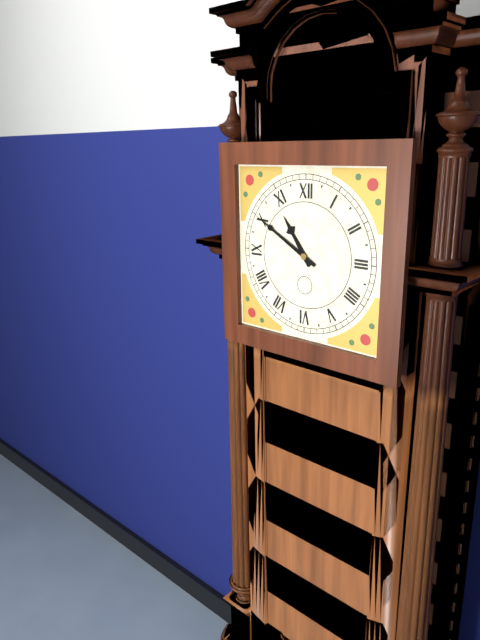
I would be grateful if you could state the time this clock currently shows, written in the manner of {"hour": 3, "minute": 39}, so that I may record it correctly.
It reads {"hour": 10, "minute": 50}
